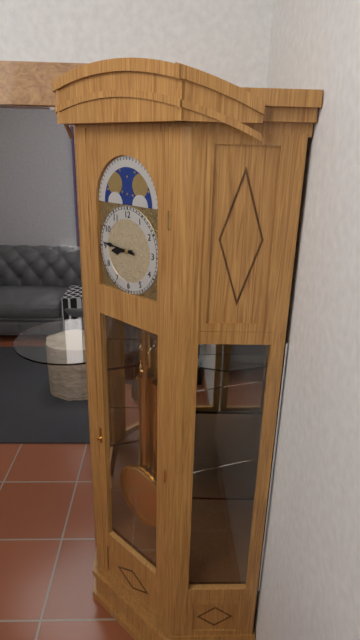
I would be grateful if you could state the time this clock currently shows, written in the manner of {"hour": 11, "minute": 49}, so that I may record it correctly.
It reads {"hour": 8, "minute": 46}
